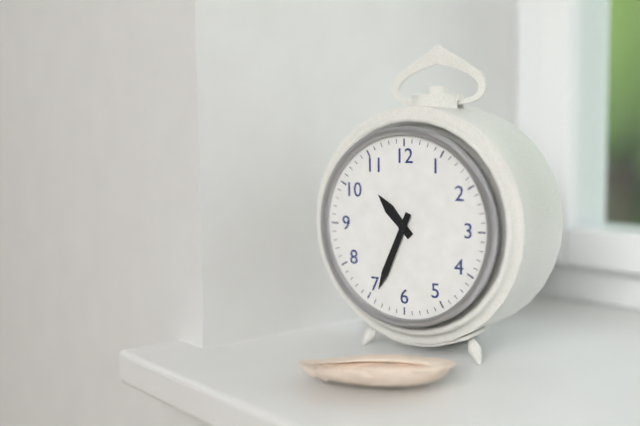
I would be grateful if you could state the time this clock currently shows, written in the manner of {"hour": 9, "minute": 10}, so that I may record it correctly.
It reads {"hour": 10, "minute": 34}
